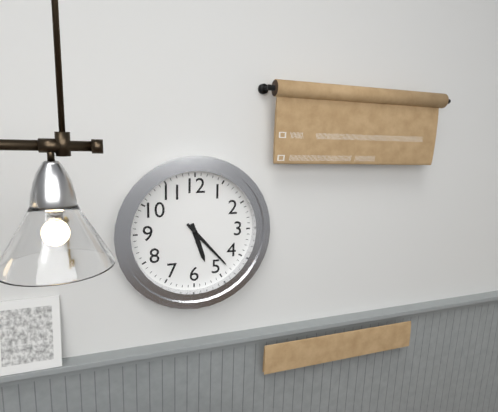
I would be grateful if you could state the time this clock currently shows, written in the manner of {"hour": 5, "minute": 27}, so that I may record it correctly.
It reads {"hour": 5, "minute": 23}
